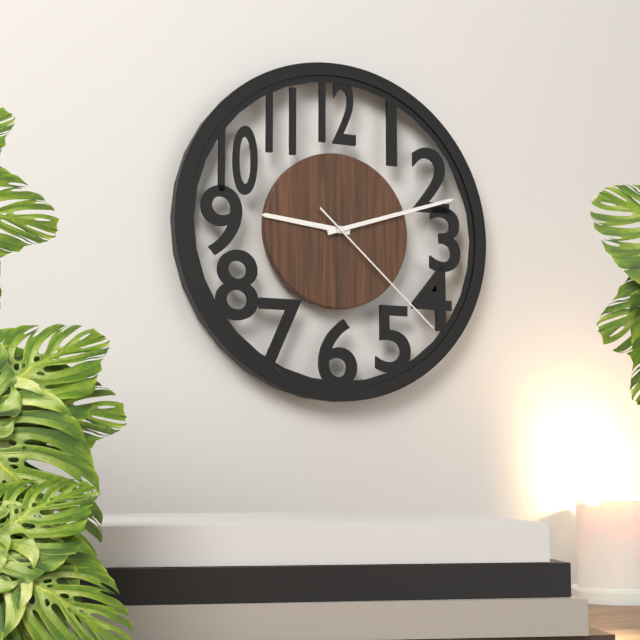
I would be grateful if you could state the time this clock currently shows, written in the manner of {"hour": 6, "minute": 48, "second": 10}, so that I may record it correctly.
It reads {"hour": 9, "minute": 12, "second": 22}
